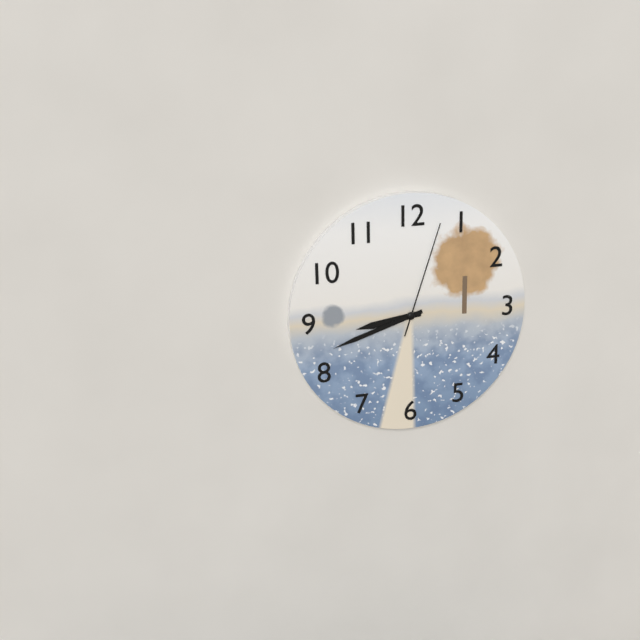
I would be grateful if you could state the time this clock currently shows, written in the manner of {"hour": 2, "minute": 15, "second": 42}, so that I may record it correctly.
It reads {"hour": 8, "minute": 42, "second": 3}
